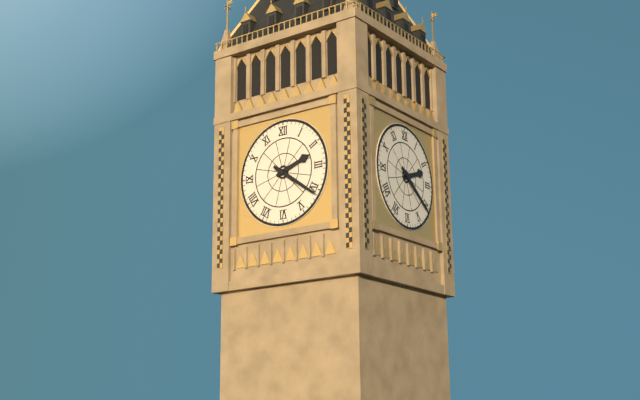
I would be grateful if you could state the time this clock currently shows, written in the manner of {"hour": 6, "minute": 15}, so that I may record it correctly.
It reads {"hour": 2, "minute": 21}
